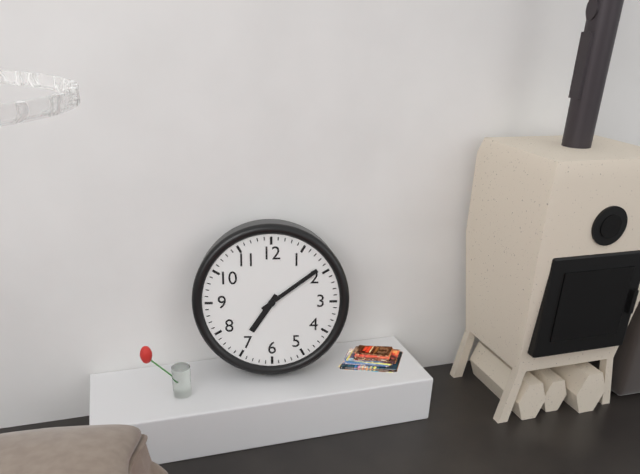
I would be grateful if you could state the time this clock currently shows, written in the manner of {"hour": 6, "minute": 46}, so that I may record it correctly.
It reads {"hour": 7, "minute": 9}
